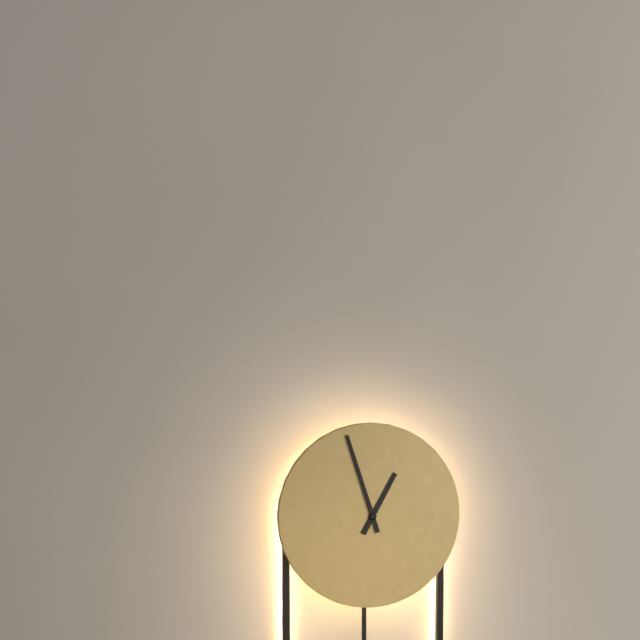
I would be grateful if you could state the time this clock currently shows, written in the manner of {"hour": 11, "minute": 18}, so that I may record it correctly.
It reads {"hour": 12, "minute": 57}
